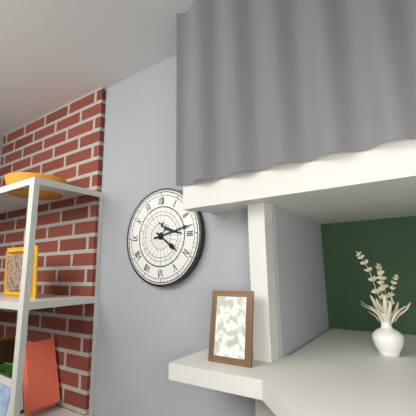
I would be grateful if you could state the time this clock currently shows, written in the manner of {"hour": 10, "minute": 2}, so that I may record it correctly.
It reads {"hour": 4, "minute": 13}
